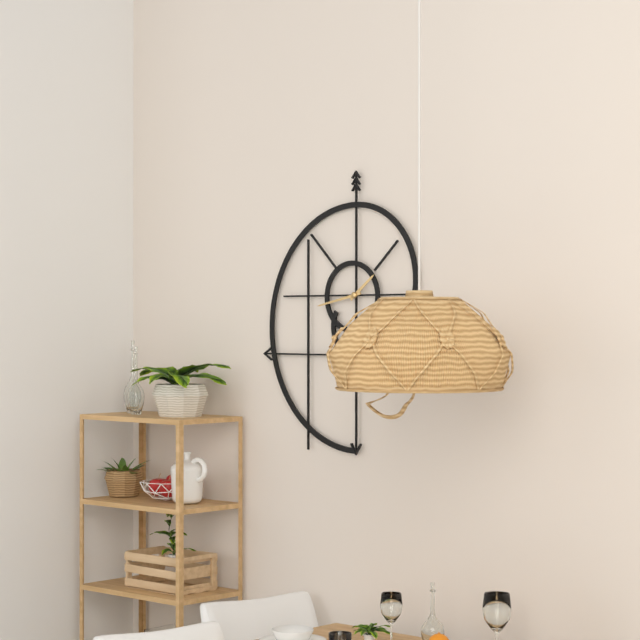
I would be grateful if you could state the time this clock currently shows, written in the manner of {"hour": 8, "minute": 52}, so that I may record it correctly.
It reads {"hour": 1, "minute": 43}
